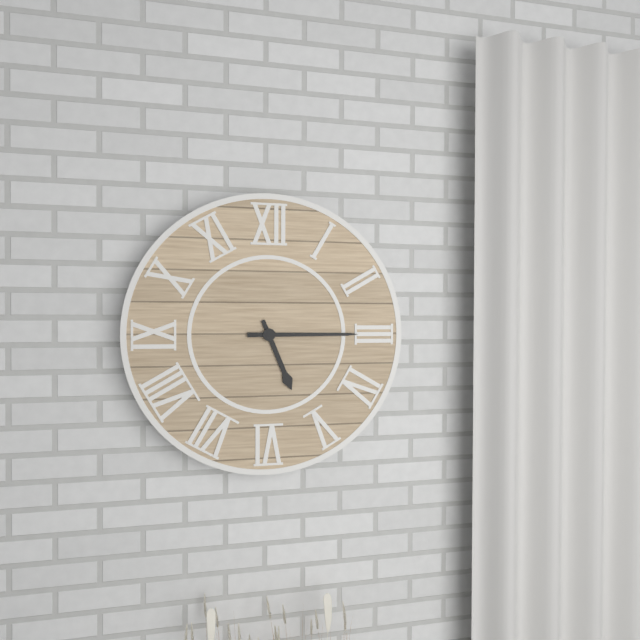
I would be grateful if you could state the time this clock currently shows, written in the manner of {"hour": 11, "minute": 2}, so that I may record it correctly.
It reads {"hour": 5, "minute": 15}
